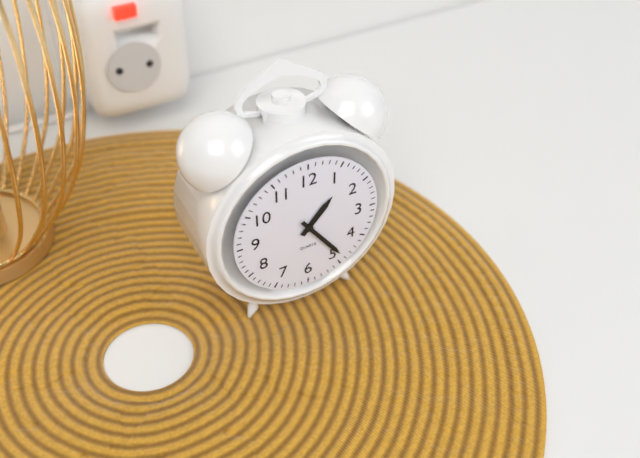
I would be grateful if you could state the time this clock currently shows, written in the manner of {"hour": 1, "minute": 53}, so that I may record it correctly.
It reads {"hour": 1, "minute": 24}
